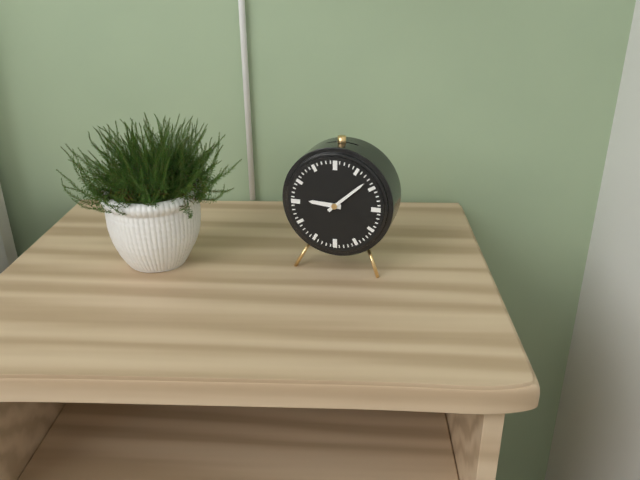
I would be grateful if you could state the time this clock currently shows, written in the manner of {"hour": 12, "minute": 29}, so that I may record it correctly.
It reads {"hour": 9, "minute": 8}
